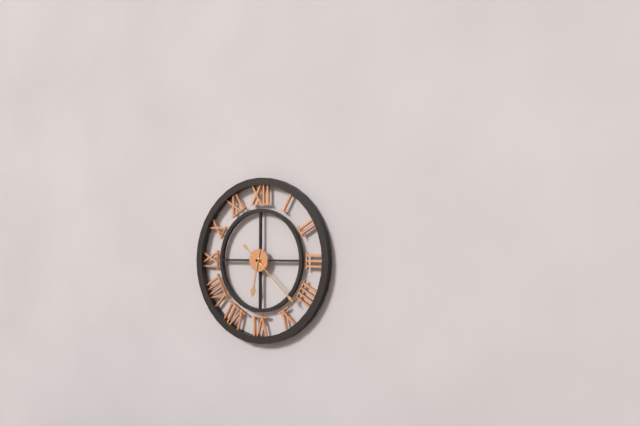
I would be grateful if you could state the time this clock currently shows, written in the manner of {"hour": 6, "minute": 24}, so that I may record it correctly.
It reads {"hour": 6, "minute": 22}
